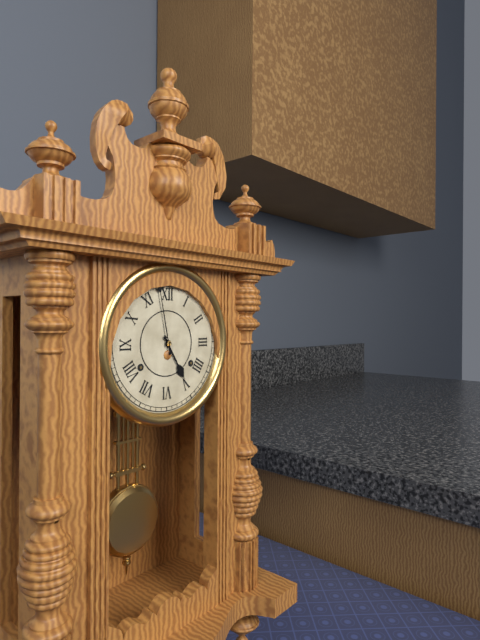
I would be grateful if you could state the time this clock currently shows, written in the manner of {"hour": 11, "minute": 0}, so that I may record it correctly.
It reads {"hour": 4, "minute": 58}
